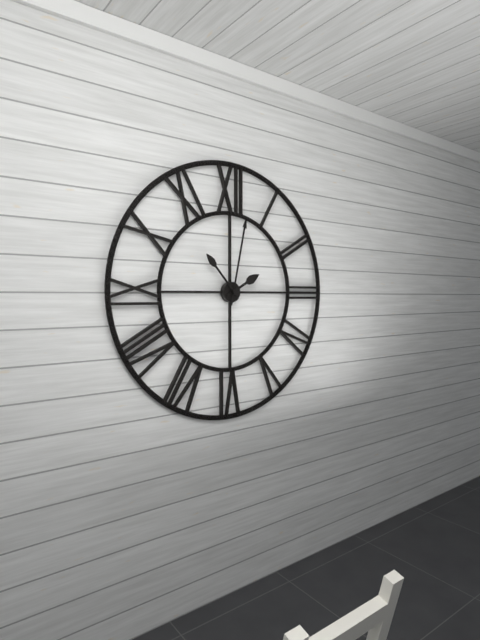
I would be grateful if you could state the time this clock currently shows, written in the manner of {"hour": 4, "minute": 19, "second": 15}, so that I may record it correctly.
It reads {"hour": 2, "minute": 2, "second": 53}
